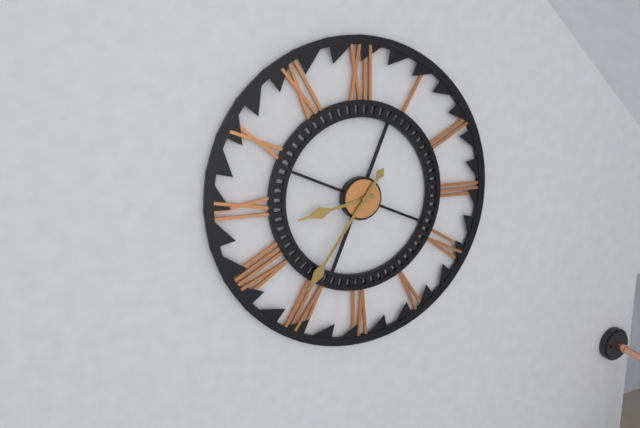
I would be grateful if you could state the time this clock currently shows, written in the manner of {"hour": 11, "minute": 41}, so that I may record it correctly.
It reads {"hour": 8, "minute": 36}
